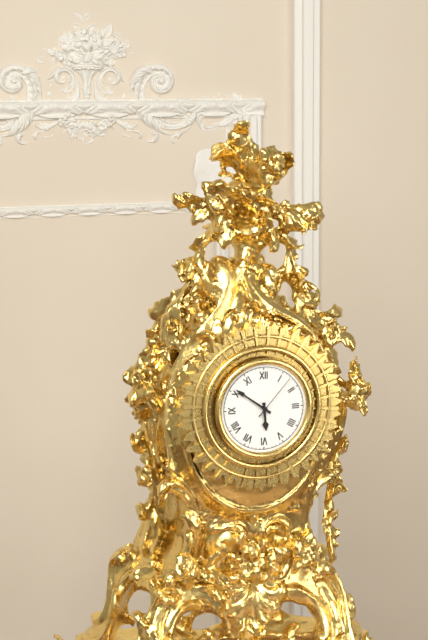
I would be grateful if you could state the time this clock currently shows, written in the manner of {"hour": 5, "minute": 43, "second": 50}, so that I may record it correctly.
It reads {"hour": 5, "minute": 51, "second": 7}
